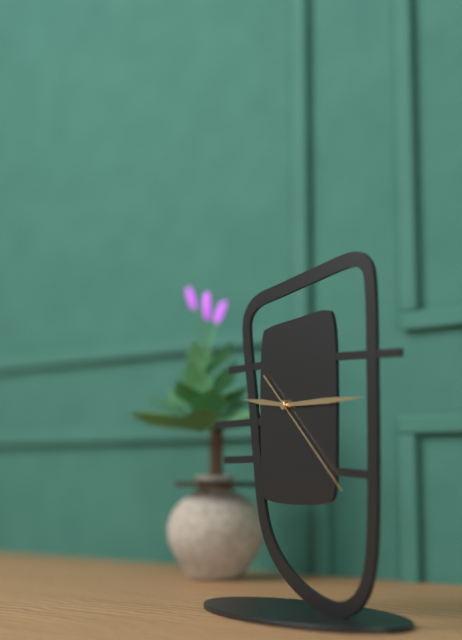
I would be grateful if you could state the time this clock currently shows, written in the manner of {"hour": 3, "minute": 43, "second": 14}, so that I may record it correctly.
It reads {"hour": 9, "minute": 15, "second": 22}
